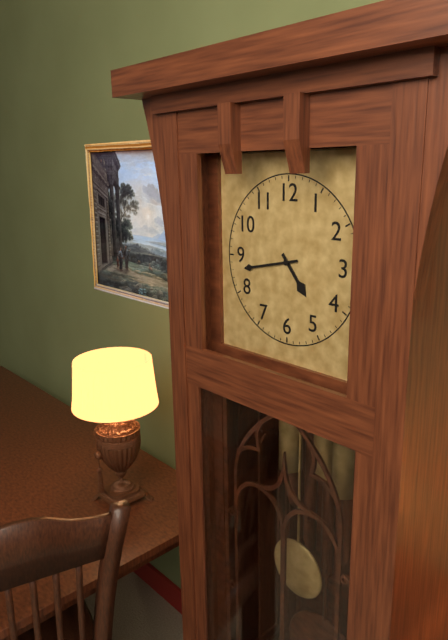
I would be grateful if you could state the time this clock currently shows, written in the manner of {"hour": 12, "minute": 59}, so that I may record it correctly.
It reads {"hour": 4, "minute": 43}
